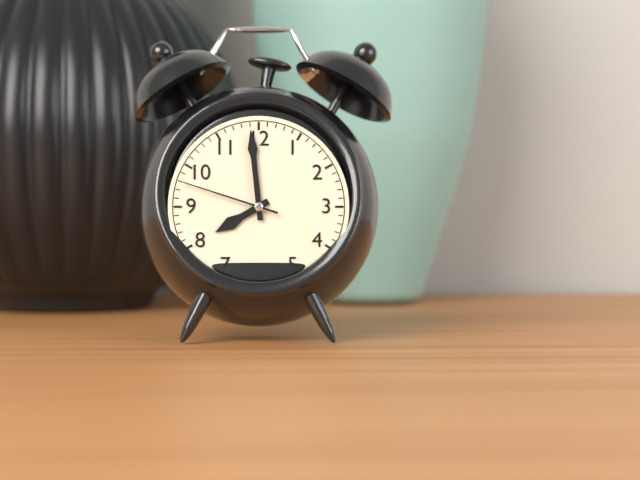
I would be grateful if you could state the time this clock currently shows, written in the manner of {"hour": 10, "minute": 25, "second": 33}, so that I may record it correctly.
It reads {"hour": 7, "minute": 59, "second": 48}
